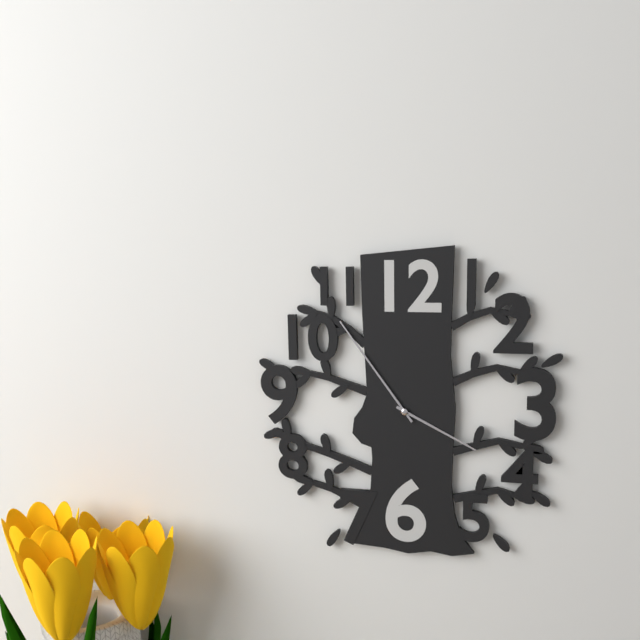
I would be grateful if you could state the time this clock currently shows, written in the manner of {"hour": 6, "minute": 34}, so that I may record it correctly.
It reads {"hour": 3, "minute": 54}
